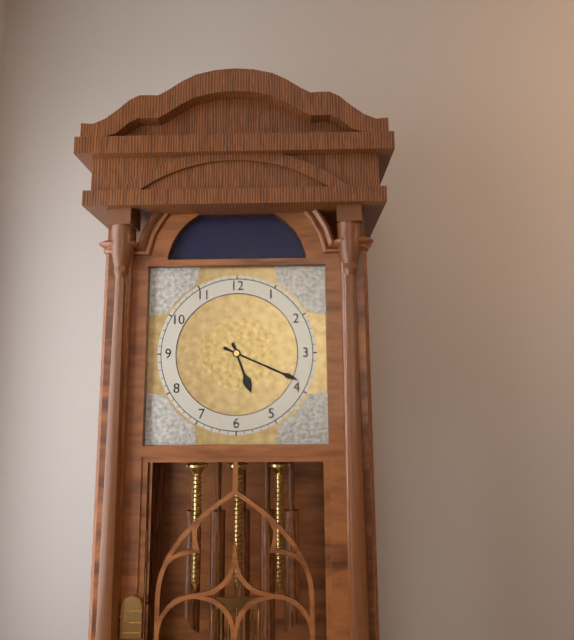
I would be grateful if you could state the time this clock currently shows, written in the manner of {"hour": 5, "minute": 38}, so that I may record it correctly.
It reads {"hour": 5, "minute": 19}
